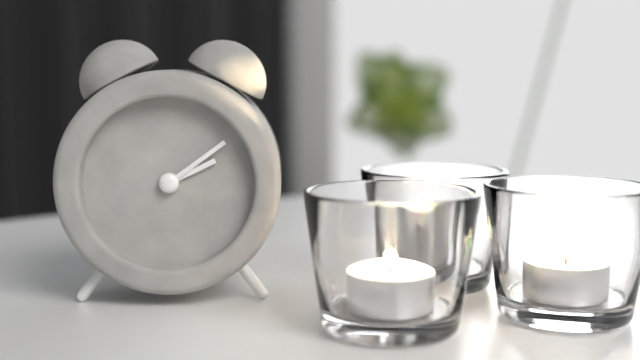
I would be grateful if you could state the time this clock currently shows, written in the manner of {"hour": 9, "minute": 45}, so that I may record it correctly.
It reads {"hour": 2, "minute": 9}
